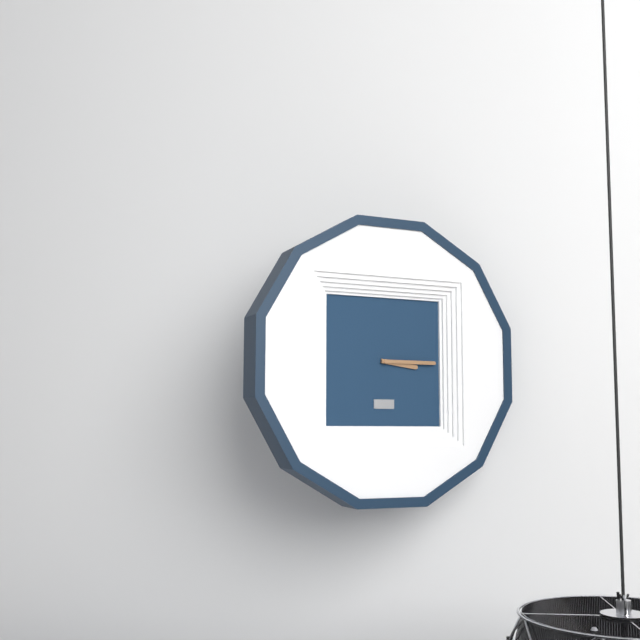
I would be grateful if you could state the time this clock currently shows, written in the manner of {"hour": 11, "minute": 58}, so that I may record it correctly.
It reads {"hour": 3, "minute": 15}
